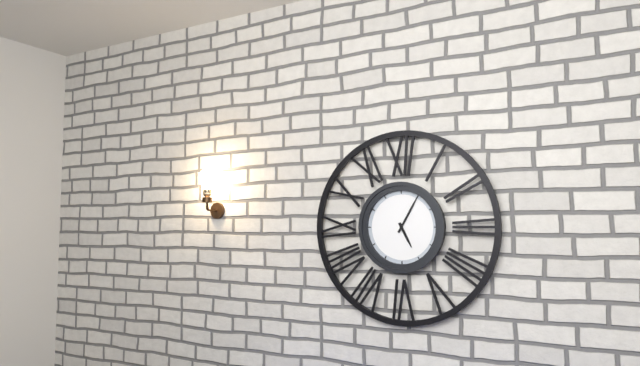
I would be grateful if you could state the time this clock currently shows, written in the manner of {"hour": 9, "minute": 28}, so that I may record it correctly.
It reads {"hour": 5, "minute": 5}
